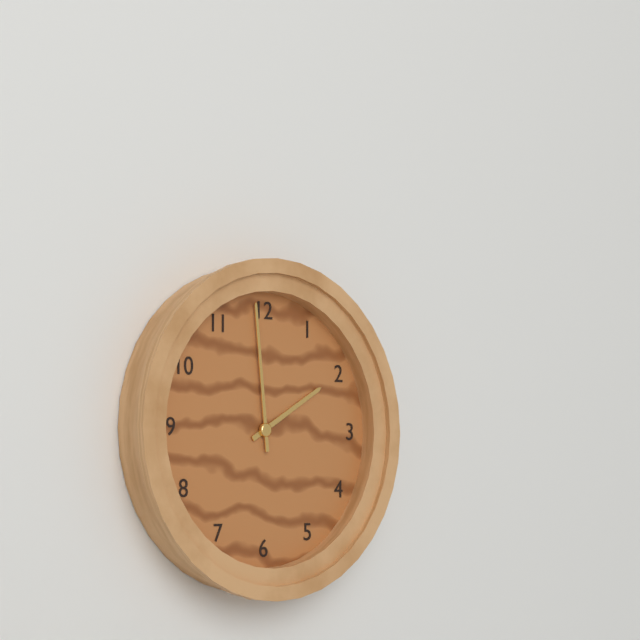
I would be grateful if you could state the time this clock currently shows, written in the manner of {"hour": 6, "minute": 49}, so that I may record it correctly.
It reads {"hour": 1, "minute": 59}
